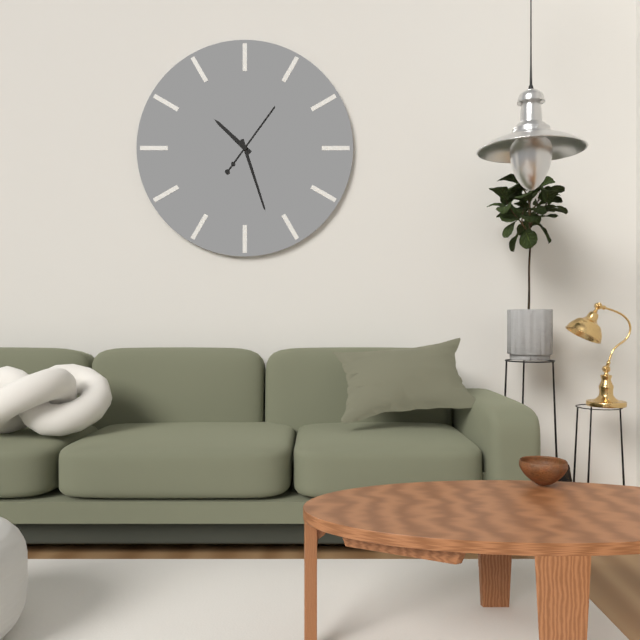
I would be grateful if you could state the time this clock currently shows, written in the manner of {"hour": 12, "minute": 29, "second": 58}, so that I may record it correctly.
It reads {"hour": 10, "minute": 27, "second": 6}
